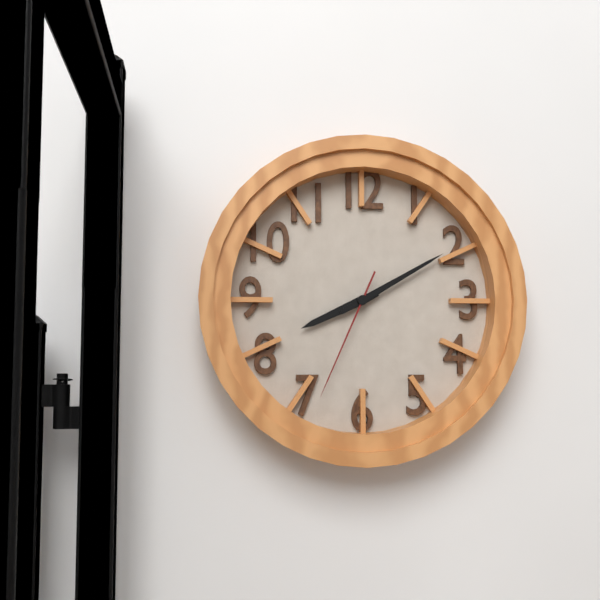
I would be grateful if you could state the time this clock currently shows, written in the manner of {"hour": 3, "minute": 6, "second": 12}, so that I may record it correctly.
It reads {"hour": 8, "minute": 10, "second": 34}
